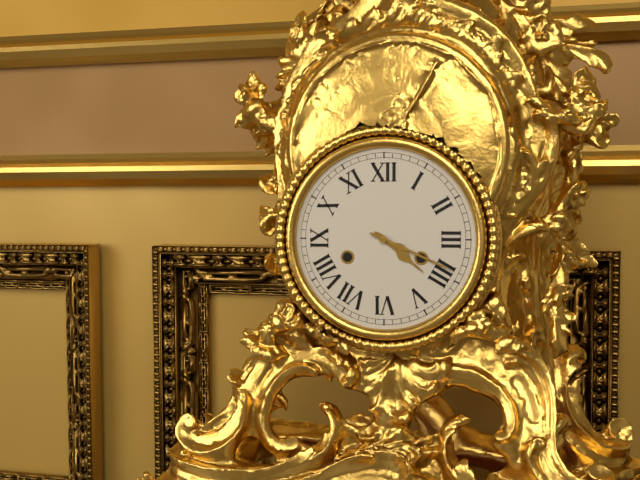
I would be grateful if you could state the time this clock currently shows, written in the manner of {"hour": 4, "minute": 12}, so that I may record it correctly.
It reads {"hour": 4, "minute": 19}
